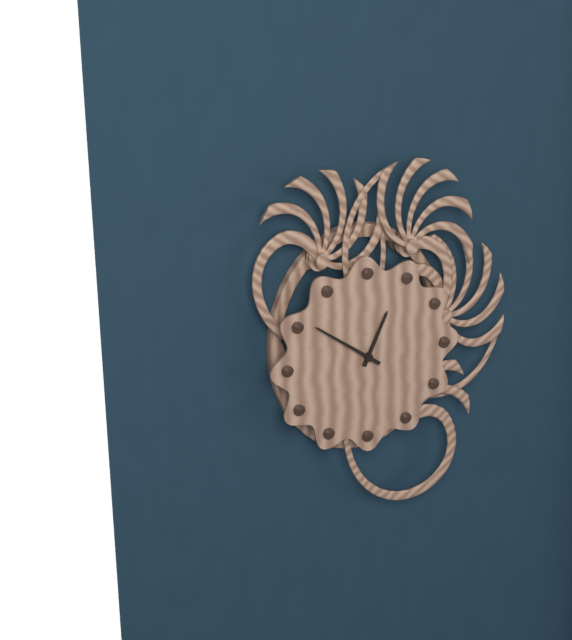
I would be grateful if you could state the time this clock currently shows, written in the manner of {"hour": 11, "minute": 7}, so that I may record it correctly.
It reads {"hour": 12, "minute": 51}
